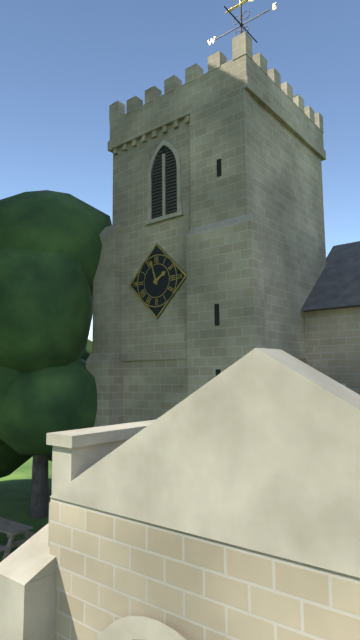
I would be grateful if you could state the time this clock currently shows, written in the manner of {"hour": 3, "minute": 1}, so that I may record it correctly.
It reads {"hour": 1, "minute": 57}
